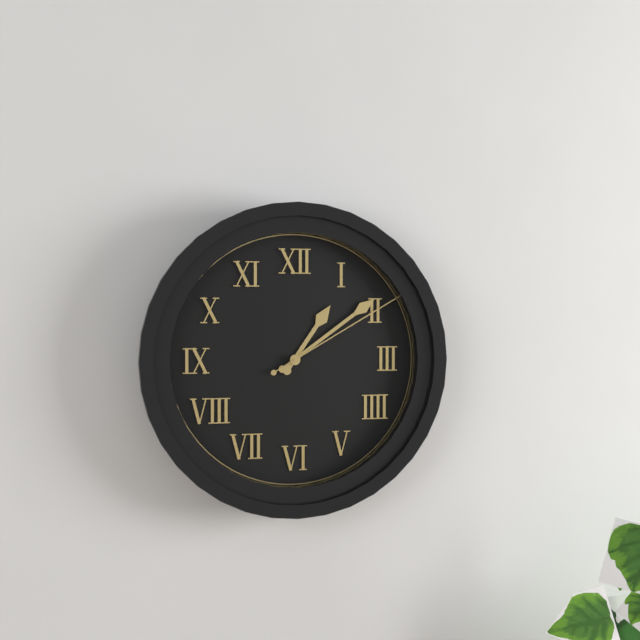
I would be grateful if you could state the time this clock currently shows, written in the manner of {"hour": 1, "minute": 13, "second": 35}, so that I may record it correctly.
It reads {"hour": 1, "minute": 9, "second": 10}
